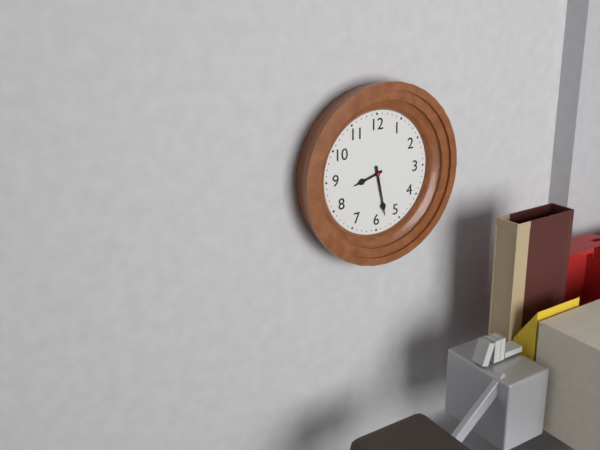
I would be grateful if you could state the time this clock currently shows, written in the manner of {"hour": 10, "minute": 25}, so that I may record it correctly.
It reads {"hour": 8, "minute": 28}
